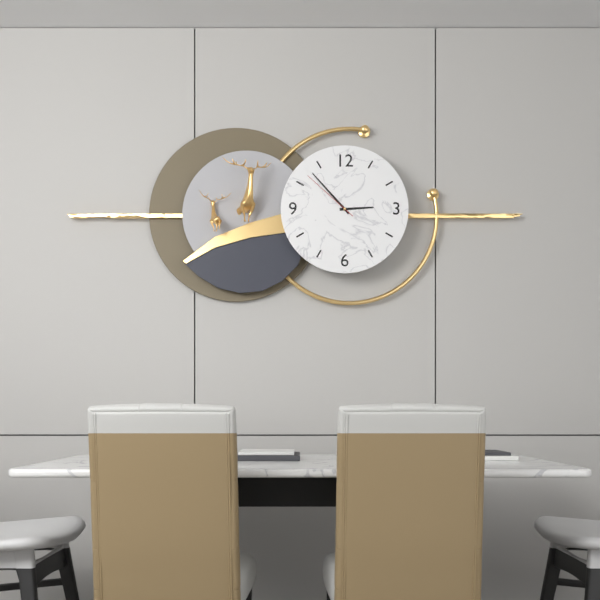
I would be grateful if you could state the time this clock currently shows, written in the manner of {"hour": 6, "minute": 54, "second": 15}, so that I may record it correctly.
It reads {"hour": 2, "minute": 53, "second": 52}
